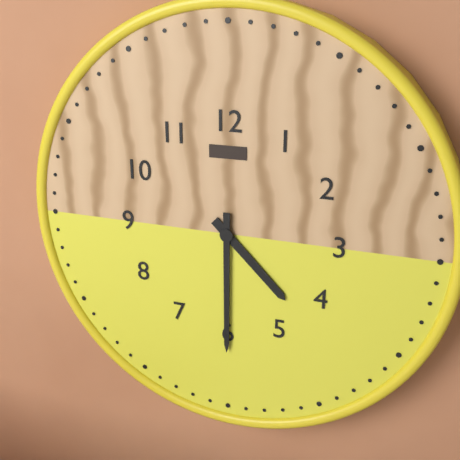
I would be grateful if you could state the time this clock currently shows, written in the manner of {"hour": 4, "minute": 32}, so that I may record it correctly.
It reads {"hour": 4, "minute": 30}
